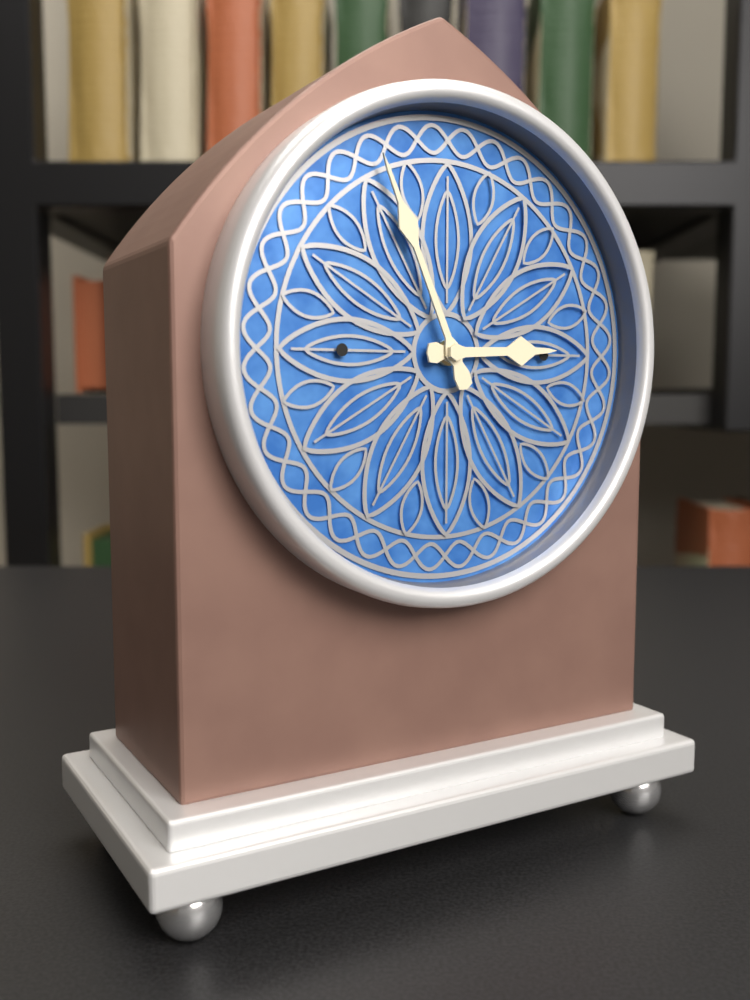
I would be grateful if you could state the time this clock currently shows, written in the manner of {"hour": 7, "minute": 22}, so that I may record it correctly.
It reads {"hour": 2, "minute": 56}
